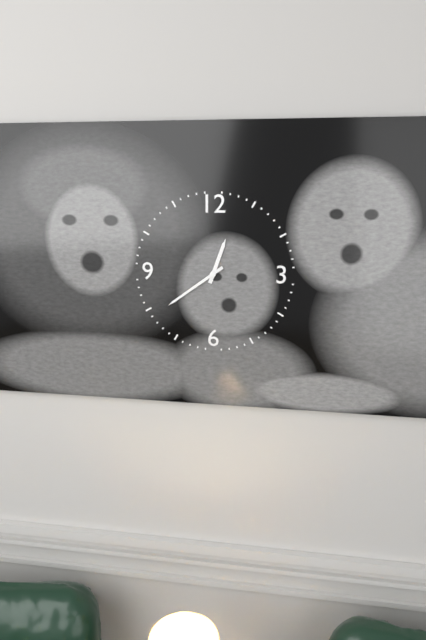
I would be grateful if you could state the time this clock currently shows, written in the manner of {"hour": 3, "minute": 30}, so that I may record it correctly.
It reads {"hour": 12, "minute": 39}
